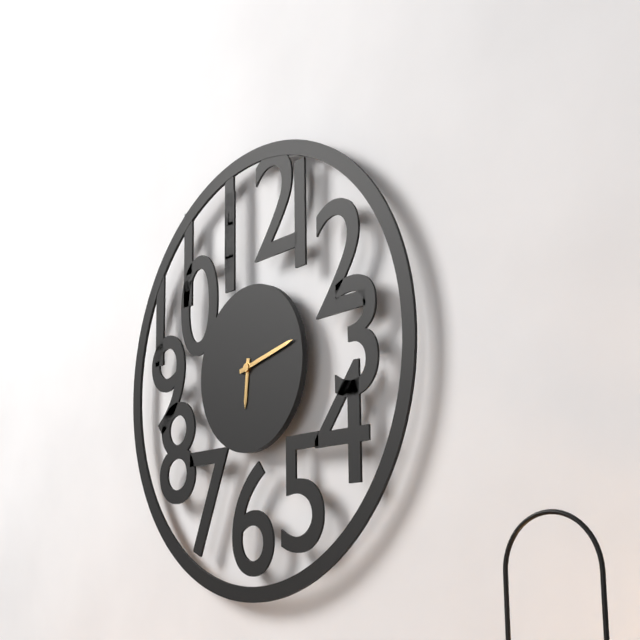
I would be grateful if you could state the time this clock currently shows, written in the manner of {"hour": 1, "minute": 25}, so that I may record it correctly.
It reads {"hour": 6, "minute": 13}
